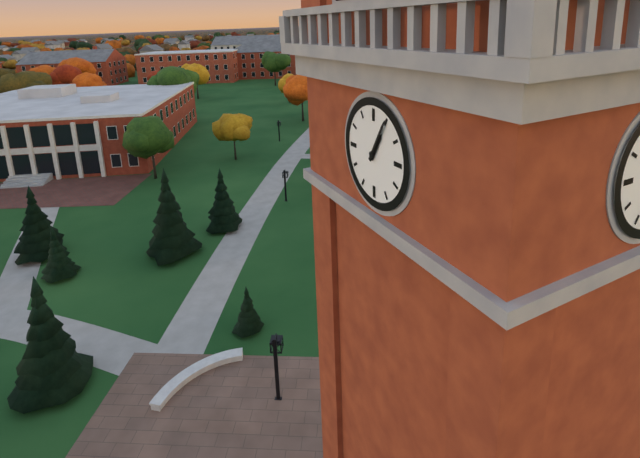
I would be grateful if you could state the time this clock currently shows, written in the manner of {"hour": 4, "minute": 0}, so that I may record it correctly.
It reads {"hour": 1, "minute": 5}
